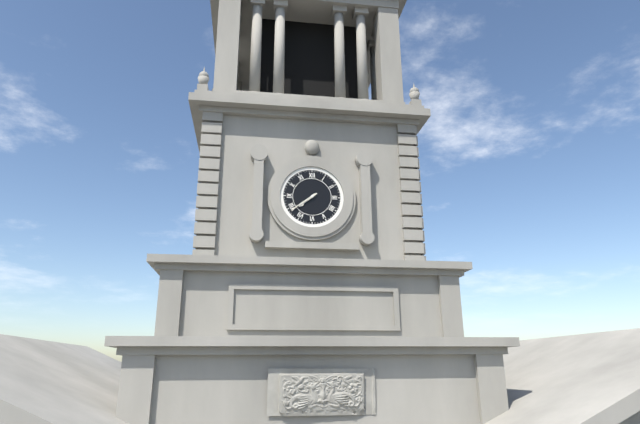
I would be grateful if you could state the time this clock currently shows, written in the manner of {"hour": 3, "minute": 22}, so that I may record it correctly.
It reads {"hour": 7, "minute": 39}
